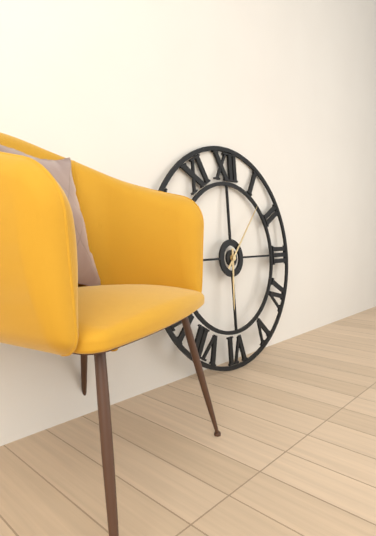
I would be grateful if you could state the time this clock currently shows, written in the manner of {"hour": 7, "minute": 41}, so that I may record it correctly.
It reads {"hour": 6, "minute": 7}
